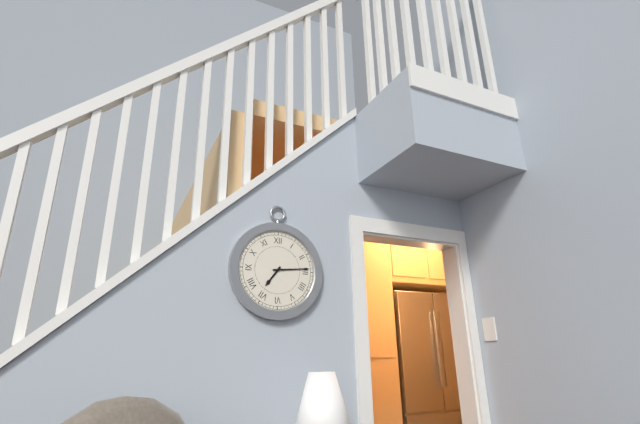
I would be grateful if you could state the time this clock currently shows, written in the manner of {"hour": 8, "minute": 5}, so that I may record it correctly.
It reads {"hour": 7, "minute": 14}
